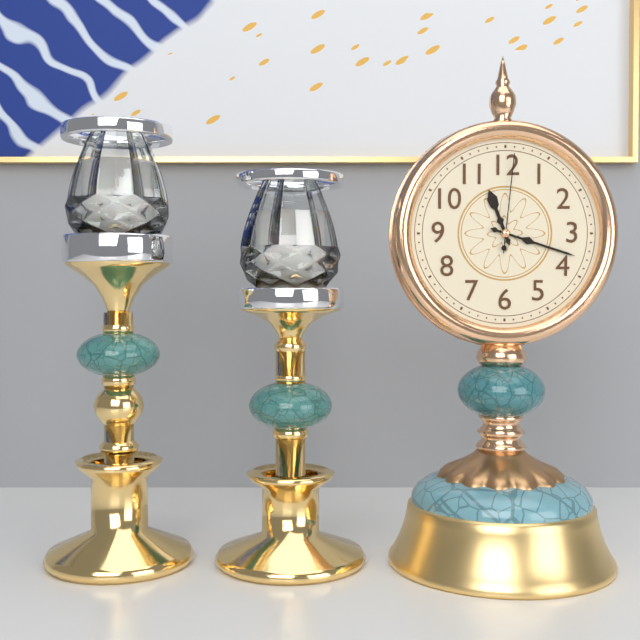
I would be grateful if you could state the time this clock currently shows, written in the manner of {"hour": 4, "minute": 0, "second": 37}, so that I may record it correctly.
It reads {"hour": 11, "minute": 18, "second": 1}
